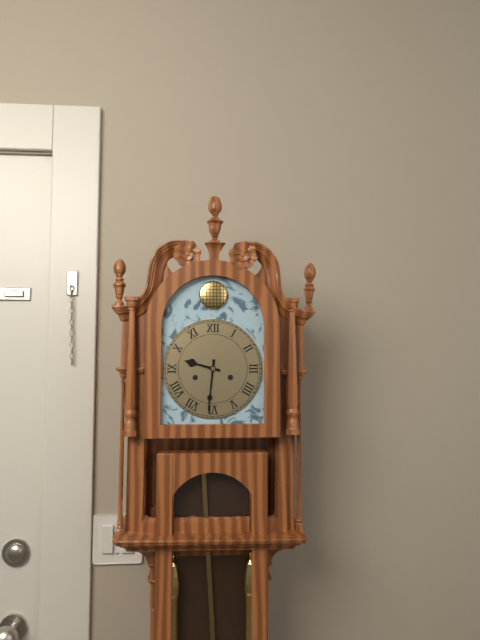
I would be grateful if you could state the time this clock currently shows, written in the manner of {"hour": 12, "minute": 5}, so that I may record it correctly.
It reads {"hour": 9, "minute": 31}
